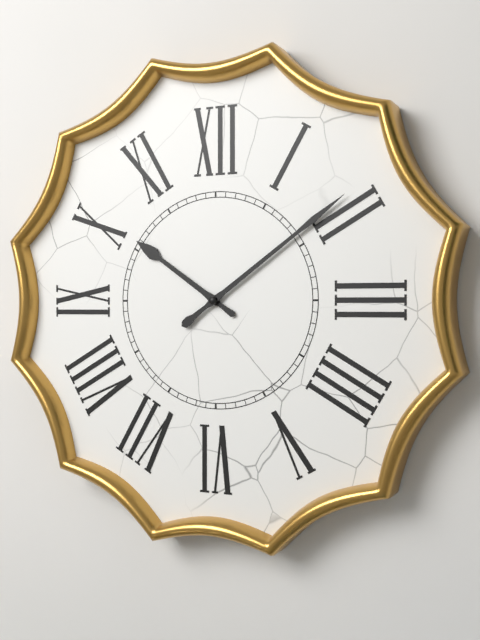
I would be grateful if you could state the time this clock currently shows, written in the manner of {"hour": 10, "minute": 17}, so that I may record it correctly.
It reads {"hour": 10, "minute": 9}
